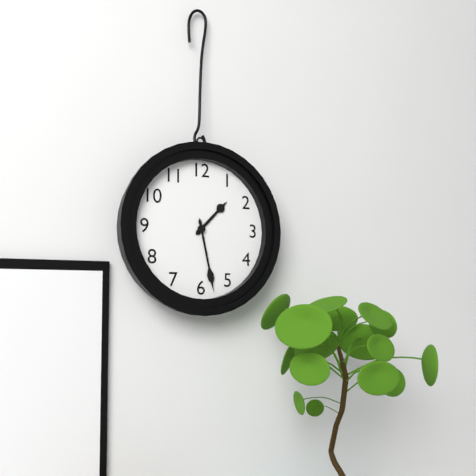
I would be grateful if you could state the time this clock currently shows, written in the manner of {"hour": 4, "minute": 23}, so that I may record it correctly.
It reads {"hour": 1, "minute": 28}
